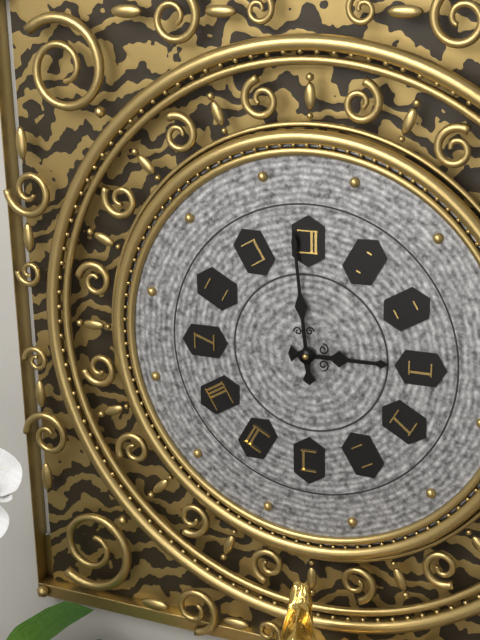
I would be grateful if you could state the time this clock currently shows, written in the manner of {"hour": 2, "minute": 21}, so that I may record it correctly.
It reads {"hour": 2, "minute": 59}
